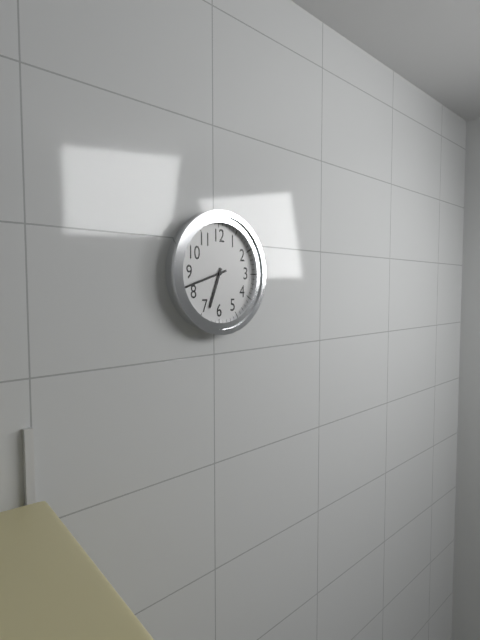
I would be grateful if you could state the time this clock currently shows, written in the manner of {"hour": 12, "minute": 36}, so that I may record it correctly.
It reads {"hour": 6, "minute": 42}
